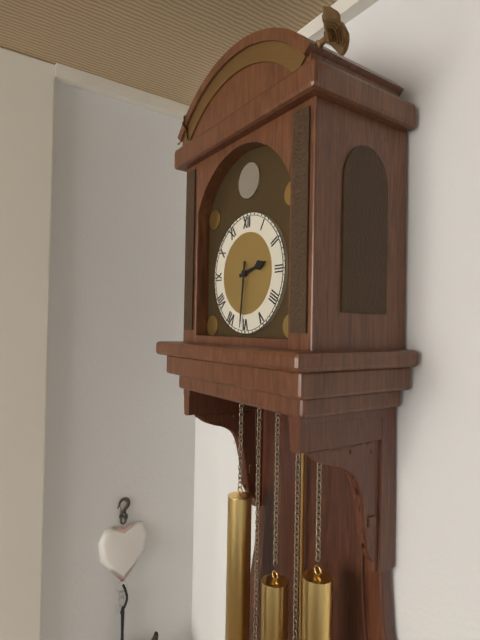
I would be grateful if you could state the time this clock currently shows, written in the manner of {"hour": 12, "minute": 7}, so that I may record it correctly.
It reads {"hour": 2, "minute": 31}
